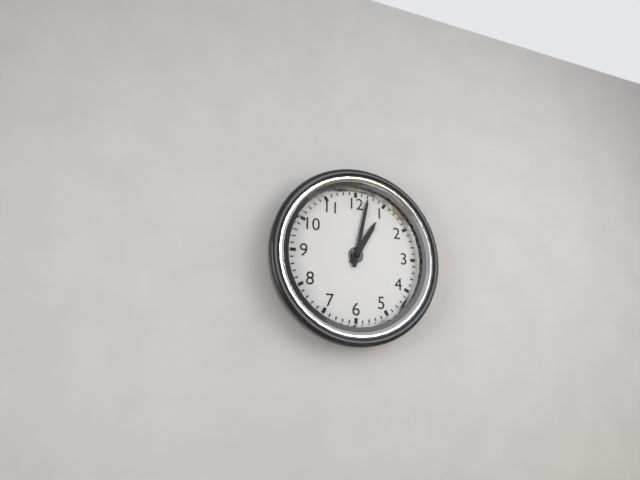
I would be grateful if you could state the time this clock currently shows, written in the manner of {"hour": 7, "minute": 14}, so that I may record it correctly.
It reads {"hour": 1, "minute": 2}
